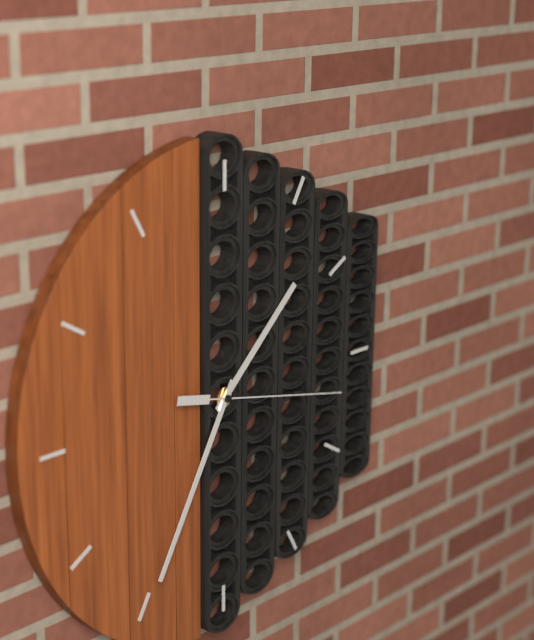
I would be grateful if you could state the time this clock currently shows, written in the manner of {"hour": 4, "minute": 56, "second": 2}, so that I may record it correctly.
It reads {"hour": 1, "minute": 35, "second": 17}
